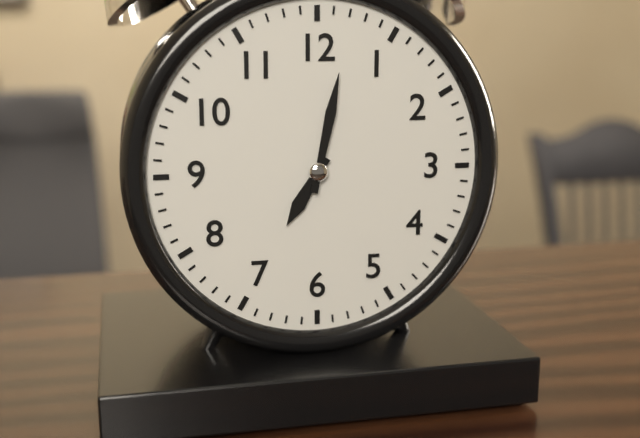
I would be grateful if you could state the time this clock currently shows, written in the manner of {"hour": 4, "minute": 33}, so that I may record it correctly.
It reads {"hour": 7, "minute": 2}
